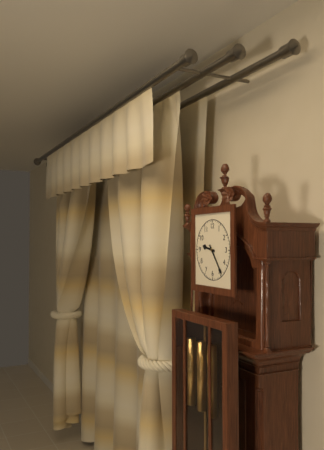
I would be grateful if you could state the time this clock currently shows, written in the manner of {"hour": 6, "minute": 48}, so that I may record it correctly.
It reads {"hour": 9, "minute": 24}
